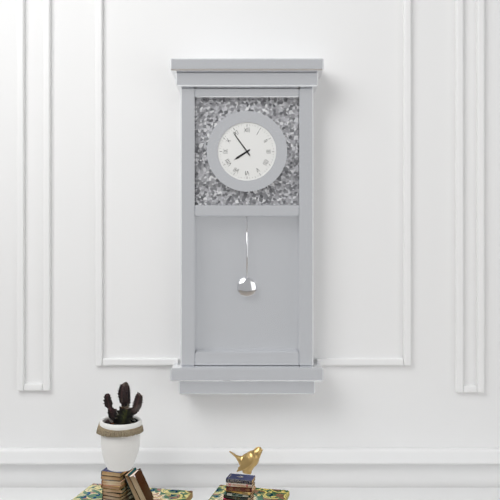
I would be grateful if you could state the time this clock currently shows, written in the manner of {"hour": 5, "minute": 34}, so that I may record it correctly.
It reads {"hour": 7, "minute": 54}
